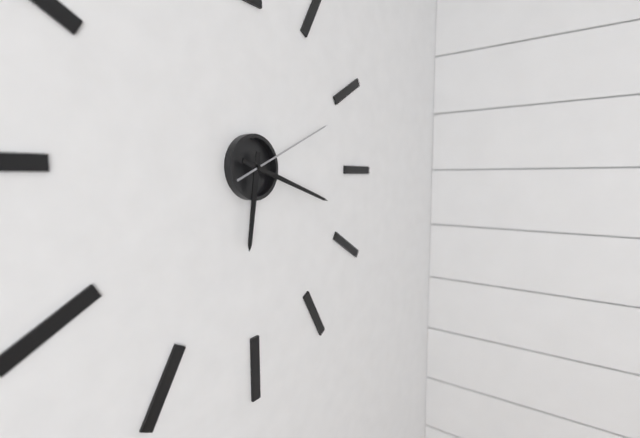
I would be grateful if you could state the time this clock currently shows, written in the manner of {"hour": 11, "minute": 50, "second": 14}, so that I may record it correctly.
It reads {"hour": 6, "minute": 18, "second": 11}
